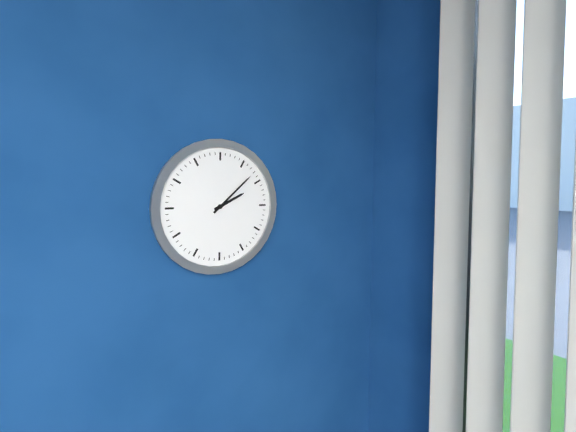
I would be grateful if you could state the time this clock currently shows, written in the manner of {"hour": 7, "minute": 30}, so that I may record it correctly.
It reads {"hour": 2, "minute": 8}
